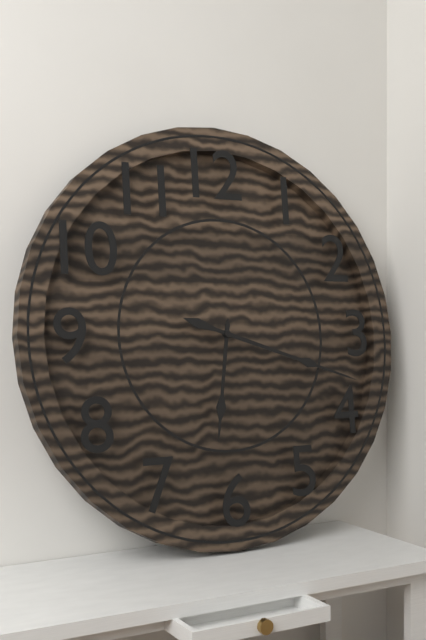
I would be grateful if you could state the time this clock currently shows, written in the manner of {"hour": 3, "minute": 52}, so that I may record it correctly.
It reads {"hour": 6, "minute": 18}
